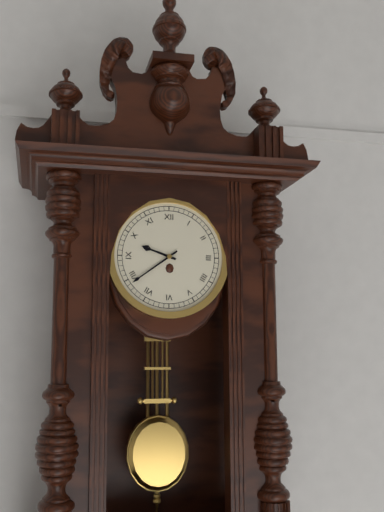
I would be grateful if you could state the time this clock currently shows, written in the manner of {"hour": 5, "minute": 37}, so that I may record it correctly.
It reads {"hour": 9, "minute": 39}
